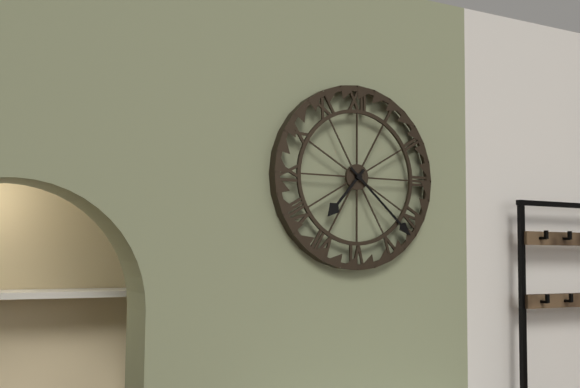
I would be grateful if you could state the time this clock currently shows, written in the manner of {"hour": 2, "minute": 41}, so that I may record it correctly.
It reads {"hour": 7, "minute": 22}
